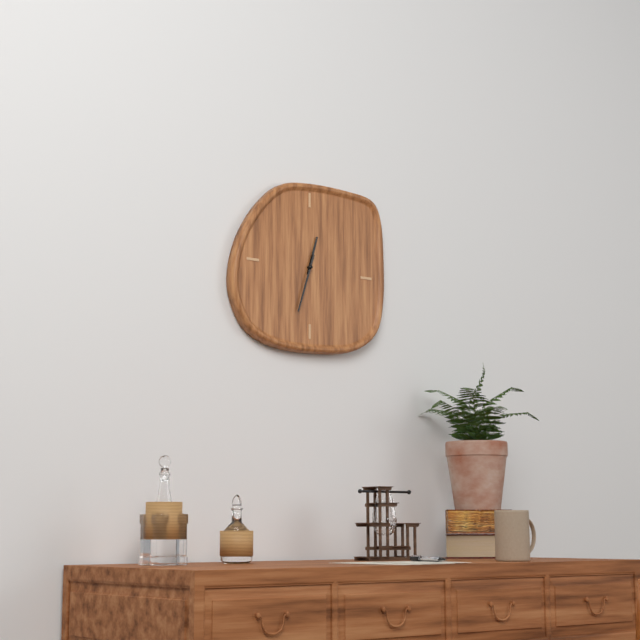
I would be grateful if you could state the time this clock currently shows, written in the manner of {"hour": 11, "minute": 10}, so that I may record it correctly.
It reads {"hour": 12, "minute": 33}
